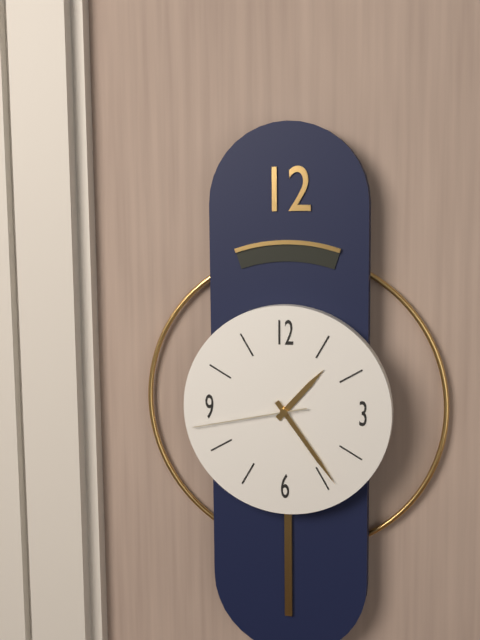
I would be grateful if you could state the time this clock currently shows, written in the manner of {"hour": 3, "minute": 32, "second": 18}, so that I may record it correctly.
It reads {"hour": 1, "minute": 24, "second": 43}
